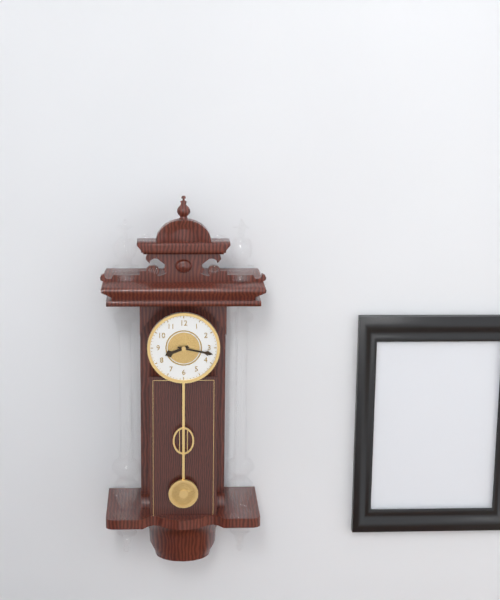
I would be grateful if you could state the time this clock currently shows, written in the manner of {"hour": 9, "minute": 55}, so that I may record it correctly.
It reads {"hour": 8, "minute": 17}
